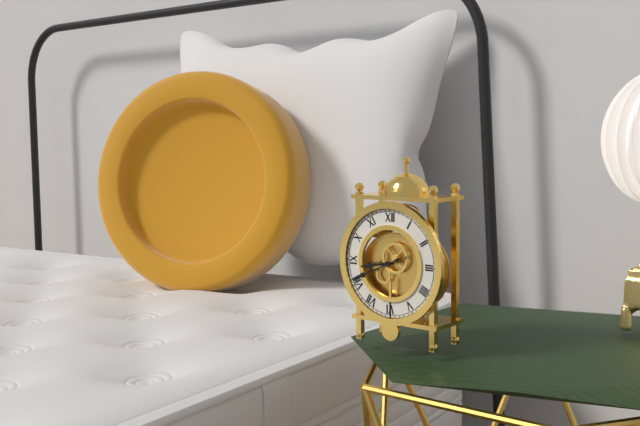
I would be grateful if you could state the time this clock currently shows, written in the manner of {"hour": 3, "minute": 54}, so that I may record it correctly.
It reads {"hour": 8, "minute": 41}
